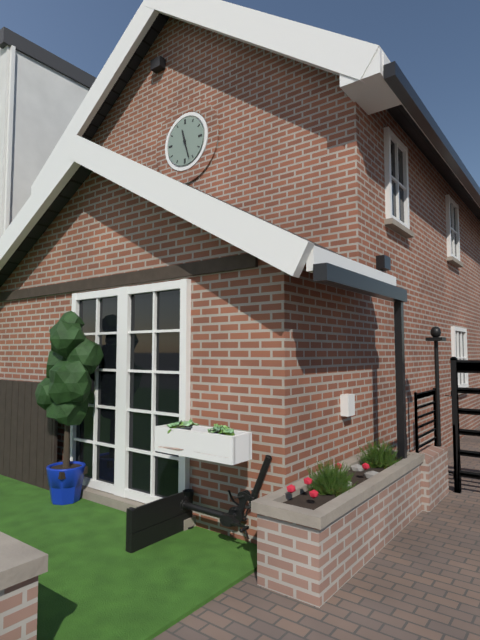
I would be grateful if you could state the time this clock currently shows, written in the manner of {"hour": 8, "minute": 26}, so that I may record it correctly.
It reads {"hour": 11, "minute": 27}
